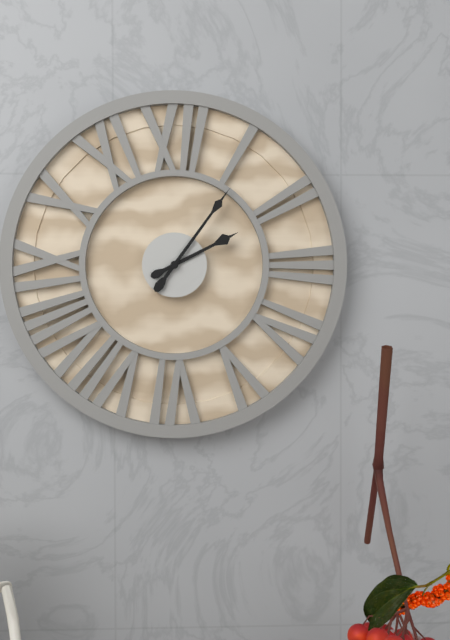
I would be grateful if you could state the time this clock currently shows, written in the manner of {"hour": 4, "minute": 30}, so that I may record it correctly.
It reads {"hour": 2, "minute": 6}
